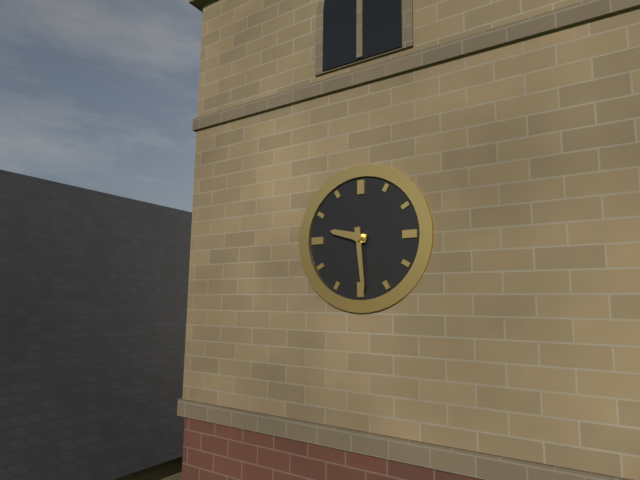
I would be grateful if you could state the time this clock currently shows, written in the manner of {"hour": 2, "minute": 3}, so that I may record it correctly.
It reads {"hour": 9, "minute": 29}
